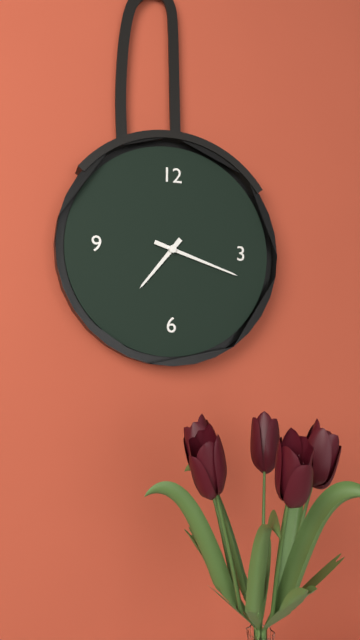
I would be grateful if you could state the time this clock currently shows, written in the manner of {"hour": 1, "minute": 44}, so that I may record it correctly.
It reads {"hour": 7, "minute": 18}
